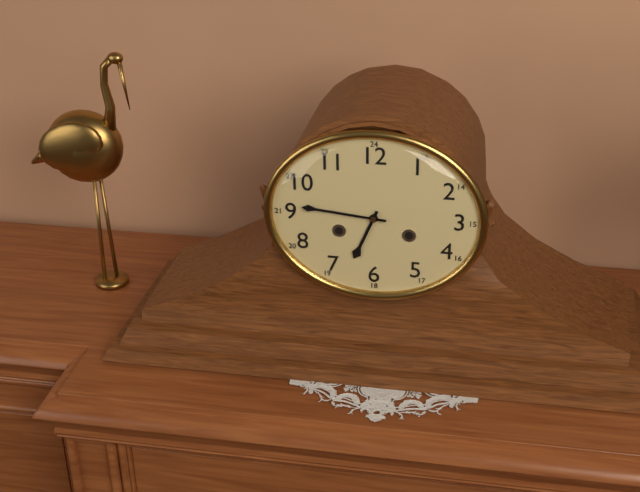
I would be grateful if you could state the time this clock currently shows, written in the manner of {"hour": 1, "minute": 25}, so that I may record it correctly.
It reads {"hour": 6, "minute": 46}
